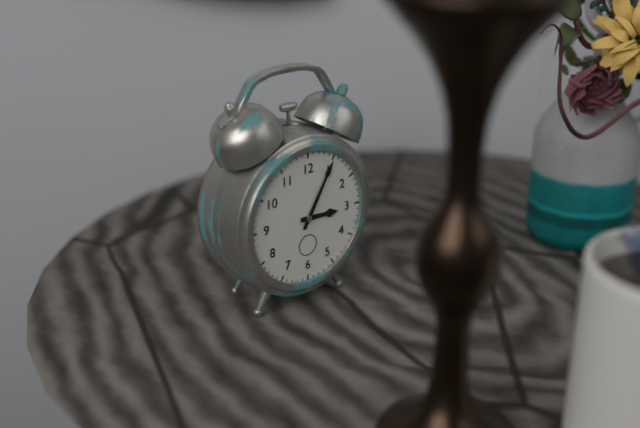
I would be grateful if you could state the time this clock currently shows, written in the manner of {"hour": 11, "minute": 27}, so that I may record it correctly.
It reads {"hour": 3, "minute": 5}
